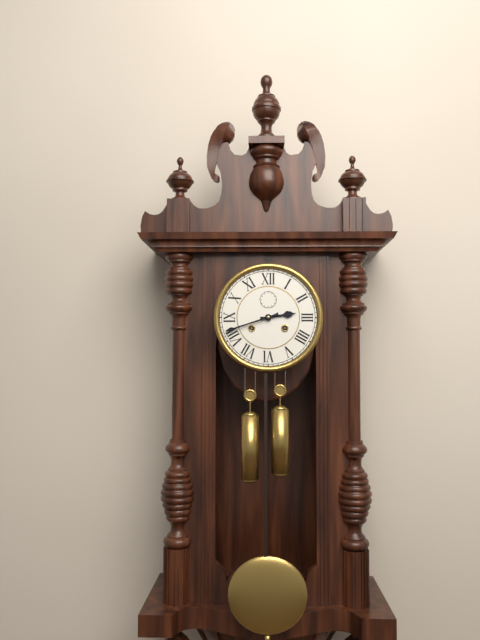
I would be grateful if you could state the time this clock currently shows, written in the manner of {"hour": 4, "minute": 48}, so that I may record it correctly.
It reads {"hour": 2, "minute": 42}
